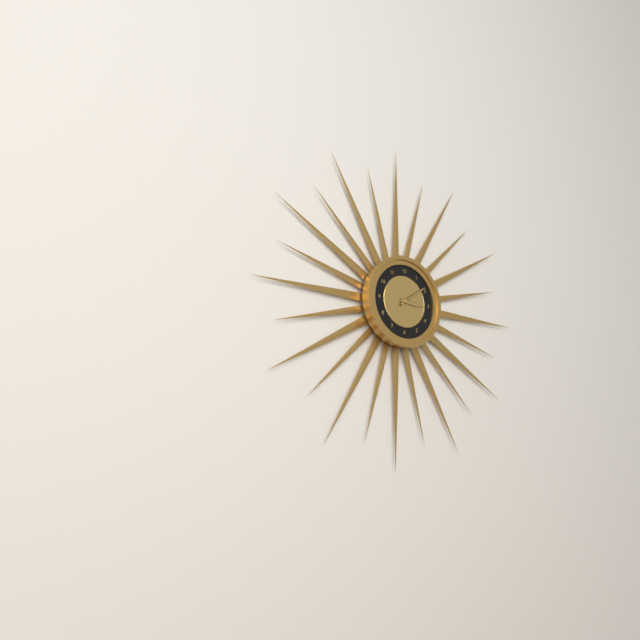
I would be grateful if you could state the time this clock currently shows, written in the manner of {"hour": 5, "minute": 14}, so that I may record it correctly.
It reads {"hour": 3, "minute": 9}
